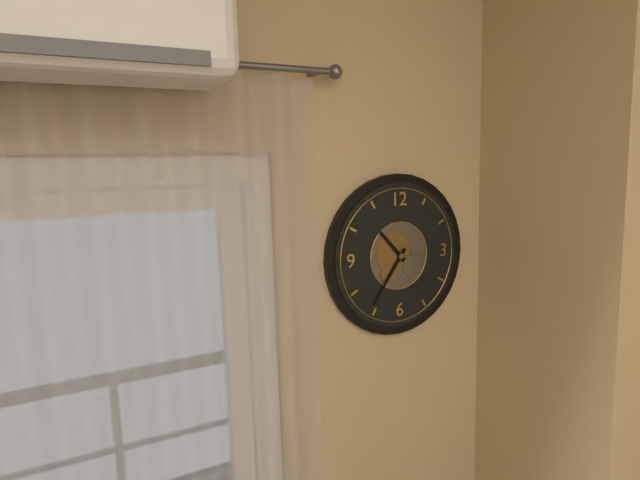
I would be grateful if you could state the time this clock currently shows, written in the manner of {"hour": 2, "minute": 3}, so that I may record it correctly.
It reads {"hour": 10, "minute": 36}
